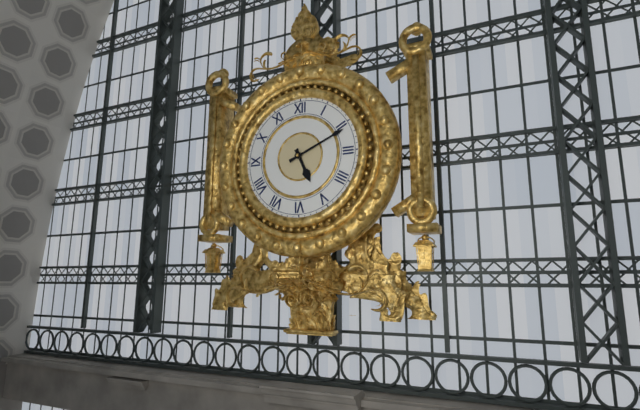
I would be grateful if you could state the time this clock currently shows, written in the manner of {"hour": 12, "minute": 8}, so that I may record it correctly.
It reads {"hour": 5, "minute": 11}
